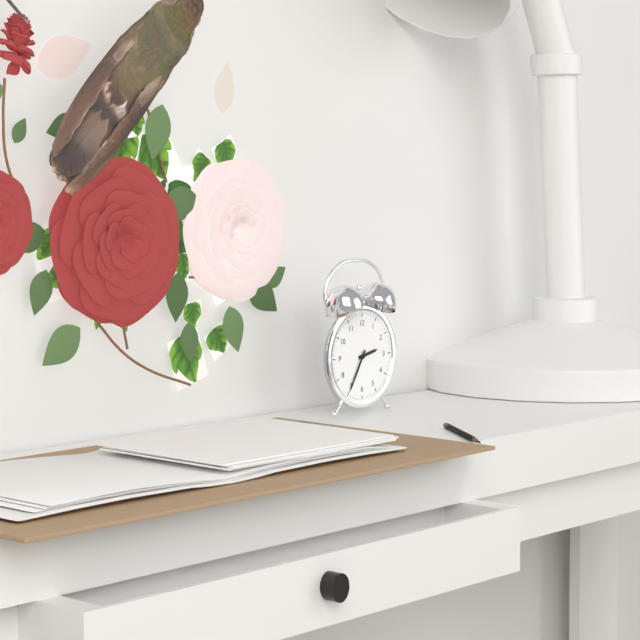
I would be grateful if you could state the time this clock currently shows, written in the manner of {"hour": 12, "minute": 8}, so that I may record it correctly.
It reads {"hour": 2, "minute": 35}
